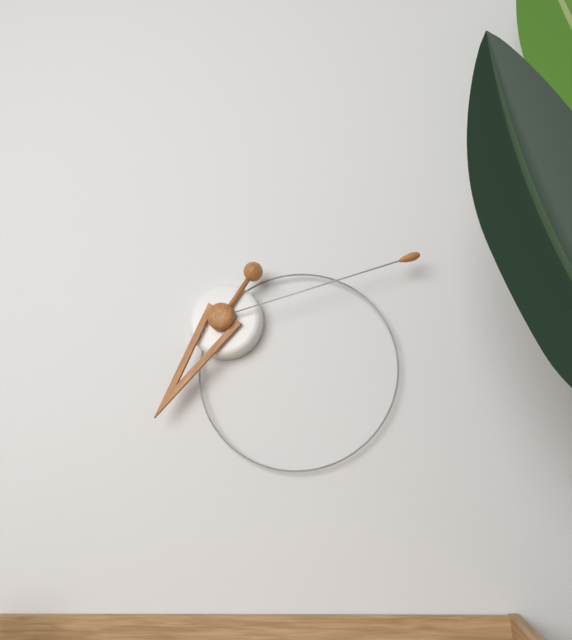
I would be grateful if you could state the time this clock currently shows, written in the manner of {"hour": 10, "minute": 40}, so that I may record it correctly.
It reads {"hour": 7, "minute": 13}
